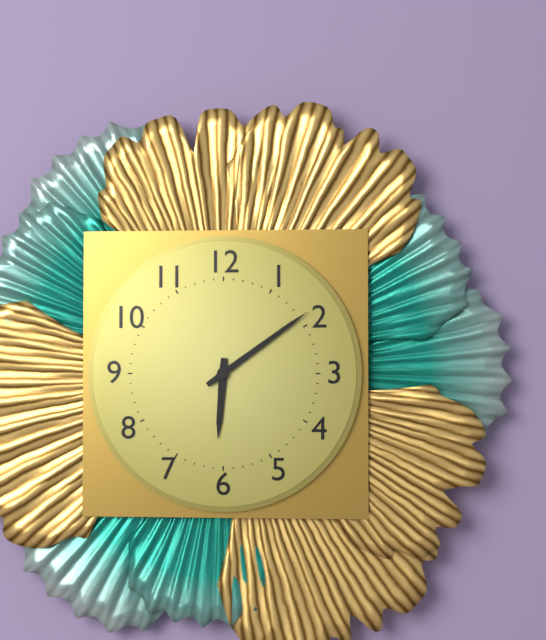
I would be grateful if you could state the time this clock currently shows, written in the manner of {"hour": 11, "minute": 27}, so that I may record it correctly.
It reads {"hour": 6, "minute": 9}
